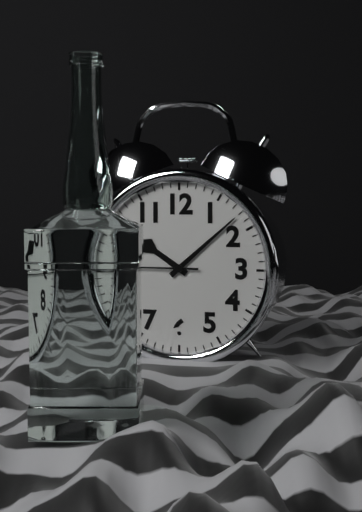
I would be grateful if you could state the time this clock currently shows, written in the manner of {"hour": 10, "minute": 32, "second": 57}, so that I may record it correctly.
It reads {"hour": 10, "minute": 8, "second": 45}
